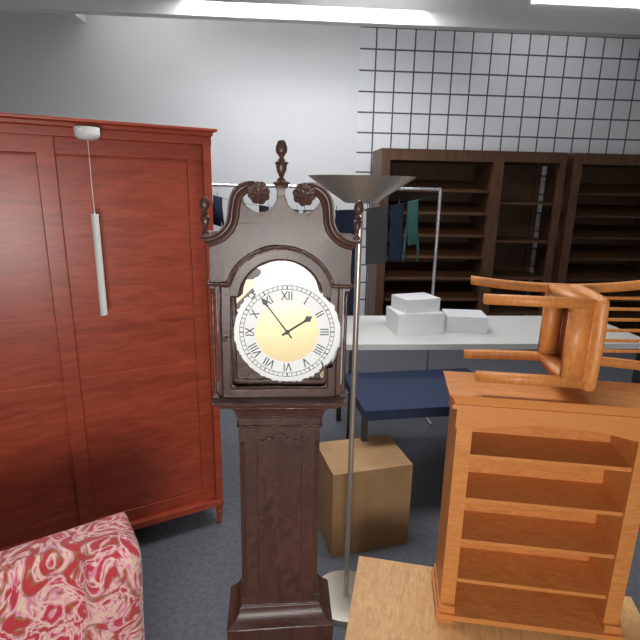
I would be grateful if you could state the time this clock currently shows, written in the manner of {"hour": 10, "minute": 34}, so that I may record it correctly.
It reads {"hour": 1, "minute": 54}
